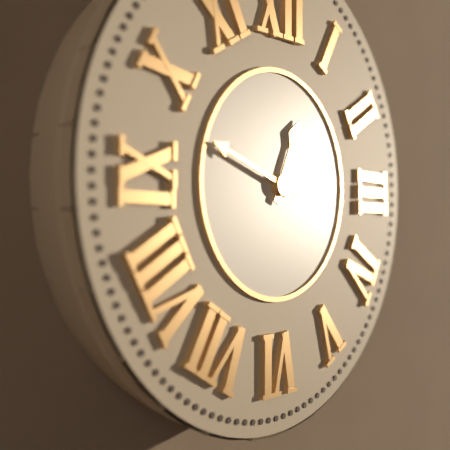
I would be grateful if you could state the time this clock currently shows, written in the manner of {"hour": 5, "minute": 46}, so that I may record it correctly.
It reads {"hour": 12, "minute": 48}
